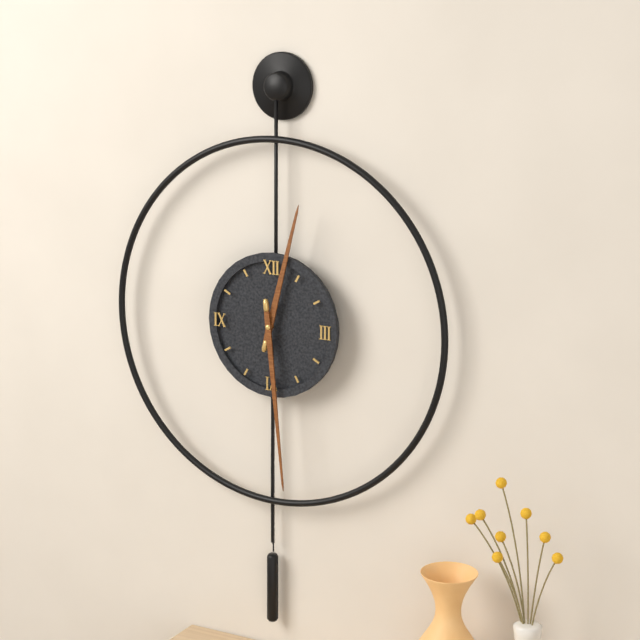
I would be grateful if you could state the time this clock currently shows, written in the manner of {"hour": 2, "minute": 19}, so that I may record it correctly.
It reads {"hour": 12, "minute": 29}
